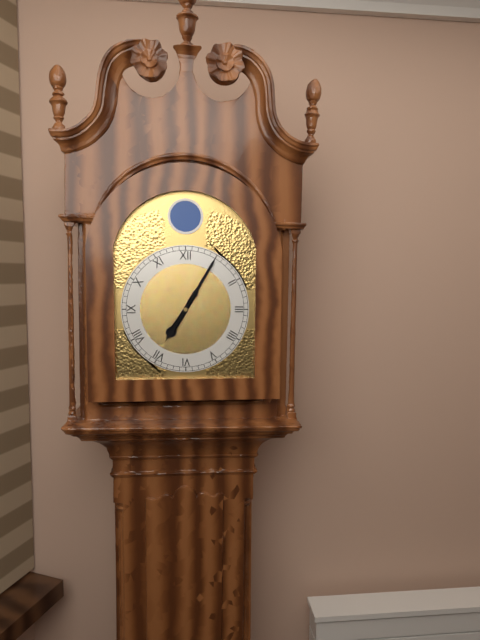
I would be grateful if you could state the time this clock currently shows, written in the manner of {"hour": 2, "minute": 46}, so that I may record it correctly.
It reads {"hour": 7, "minute": 5}
